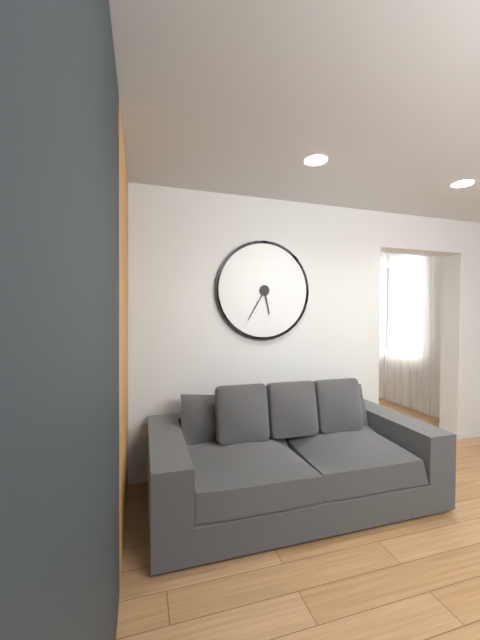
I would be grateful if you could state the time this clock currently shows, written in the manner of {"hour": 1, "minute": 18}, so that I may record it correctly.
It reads {"hour": 5, "minute": 35}
